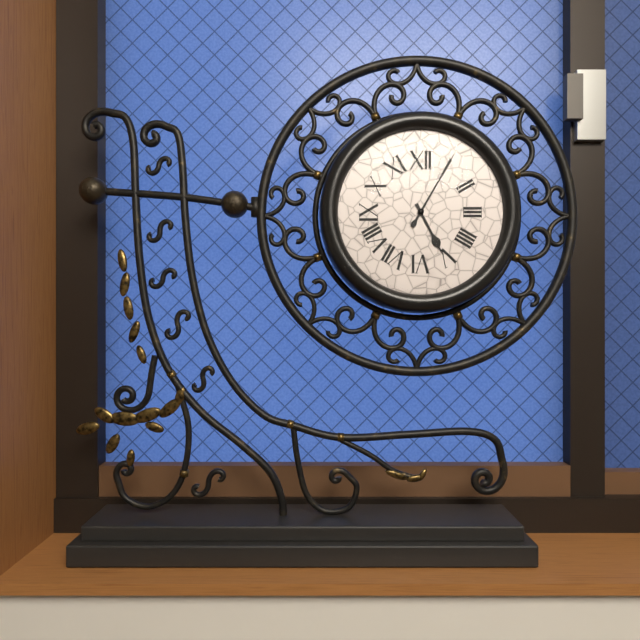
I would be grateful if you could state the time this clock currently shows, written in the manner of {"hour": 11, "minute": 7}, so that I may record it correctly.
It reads {"hour": 5, "minute": 5}
